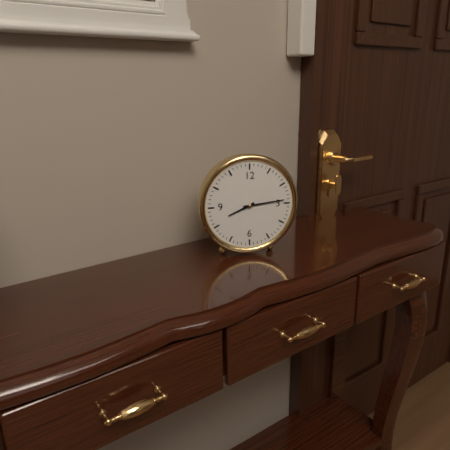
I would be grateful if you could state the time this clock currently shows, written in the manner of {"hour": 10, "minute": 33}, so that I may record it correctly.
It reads {"hour": 8, "minute": 14}
